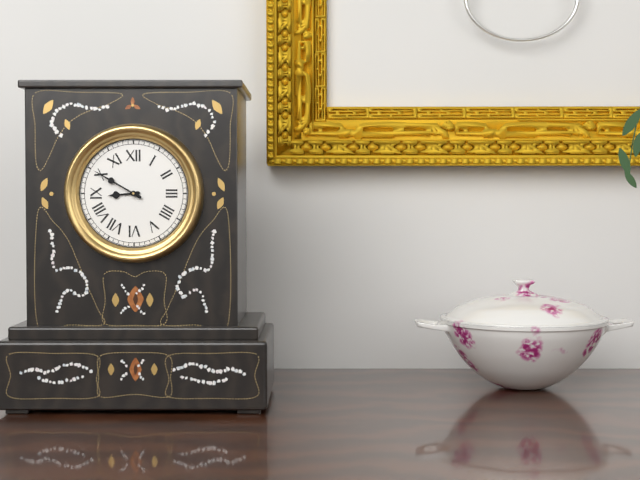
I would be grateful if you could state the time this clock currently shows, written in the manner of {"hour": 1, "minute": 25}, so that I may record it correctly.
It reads {"hour": 8, "minute": 50}
